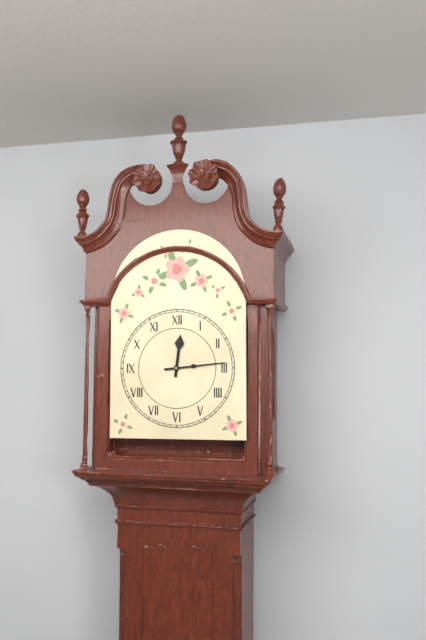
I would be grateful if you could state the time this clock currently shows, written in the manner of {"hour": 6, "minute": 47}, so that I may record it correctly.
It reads {"hour": 12, "minute": 14}
